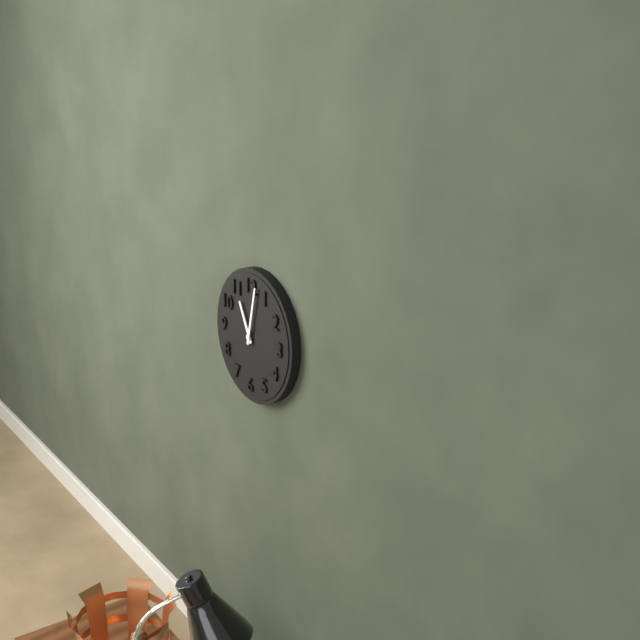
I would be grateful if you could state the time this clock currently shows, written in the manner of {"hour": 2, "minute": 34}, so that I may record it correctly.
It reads {"hour": 11, "minute": 2}
